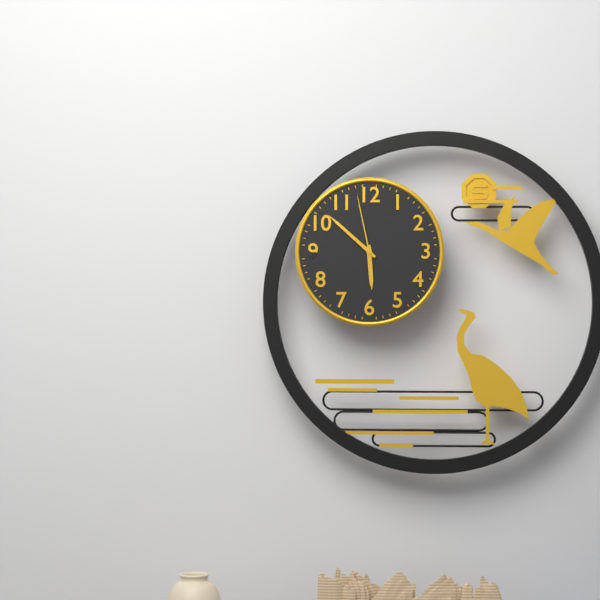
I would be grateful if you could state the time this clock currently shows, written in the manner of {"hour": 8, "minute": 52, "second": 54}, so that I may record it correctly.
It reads {"hour": 5, "minute": 52, "second": 58}
